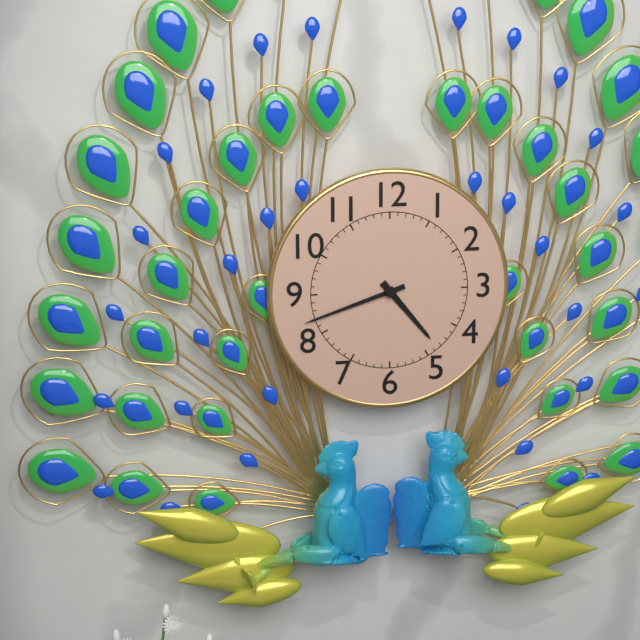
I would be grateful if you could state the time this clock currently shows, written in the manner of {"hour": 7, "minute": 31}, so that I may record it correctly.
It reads {"hour": 4, "minute": 42}
